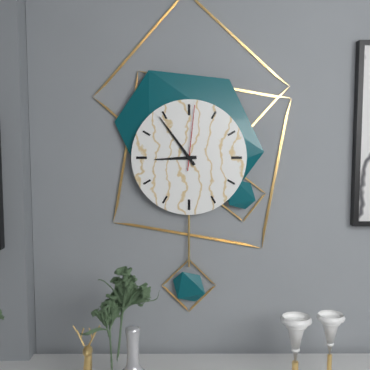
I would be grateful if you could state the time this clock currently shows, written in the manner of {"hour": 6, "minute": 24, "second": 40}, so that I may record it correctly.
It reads {"hour": 8, "minute": 54, "second": 1}
